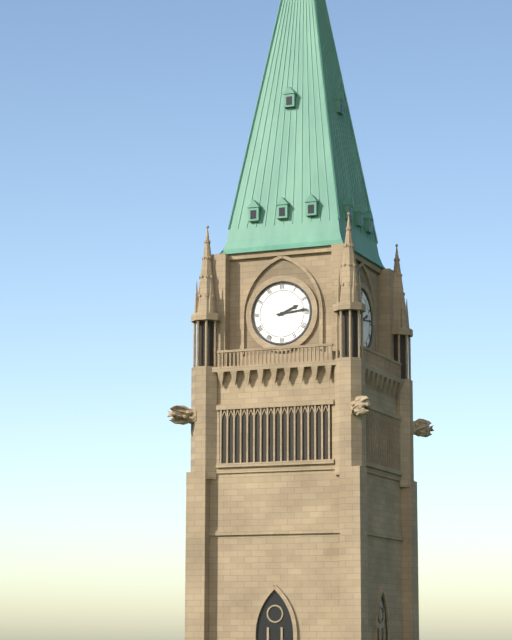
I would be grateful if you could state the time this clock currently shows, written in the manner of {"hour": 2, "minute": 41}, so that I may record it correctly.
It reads {"hour": 2, "minute": 14}
